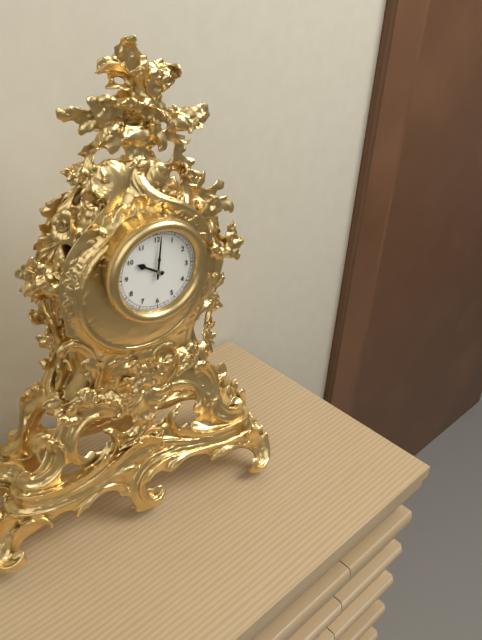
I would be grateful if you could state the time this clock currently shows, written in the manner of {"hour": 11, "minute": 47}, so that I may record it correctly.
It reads {"hour": 10, "minute": 1}
